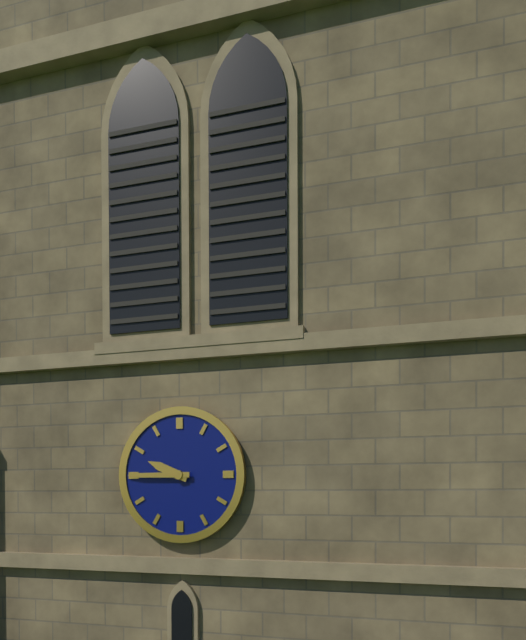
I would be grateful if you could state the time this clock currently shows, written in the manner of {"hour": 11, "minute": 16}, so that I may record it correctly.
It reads {"hour": 9, "minute": 45}
